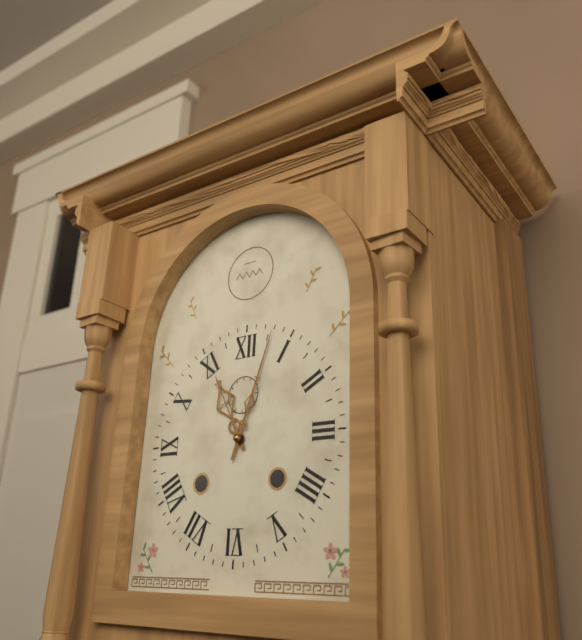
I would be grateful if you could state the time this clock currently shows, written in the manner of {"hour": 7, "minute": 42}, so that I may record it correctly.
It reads {"hour": 11, "minute": 3}
